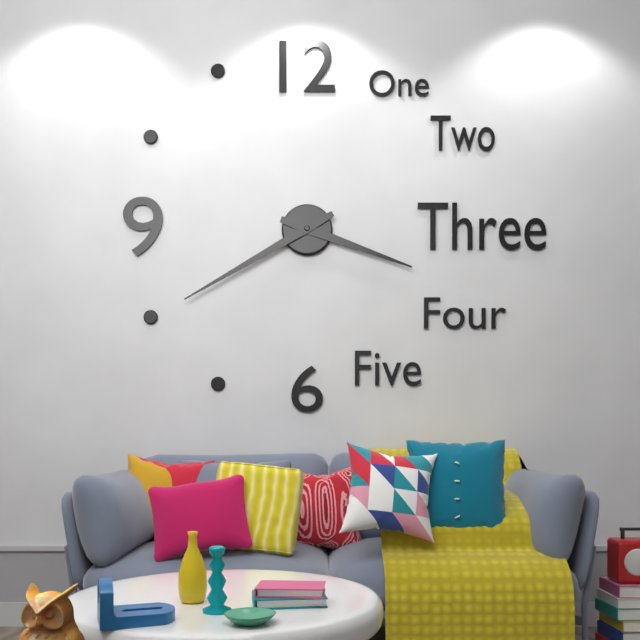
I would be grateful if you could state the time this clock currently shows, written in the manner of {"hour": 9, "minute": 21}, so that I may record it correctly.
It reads {"hour": 3, "minute": 40}
